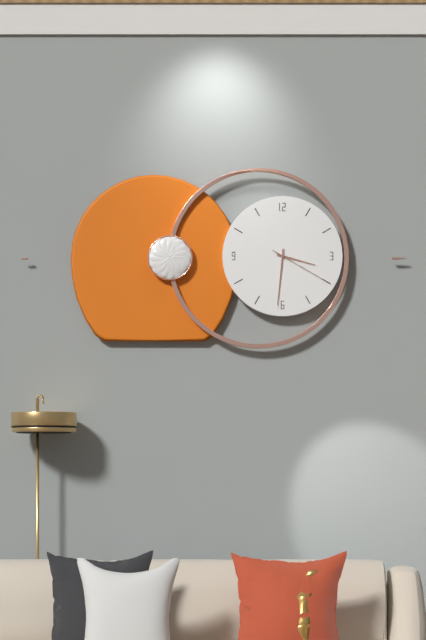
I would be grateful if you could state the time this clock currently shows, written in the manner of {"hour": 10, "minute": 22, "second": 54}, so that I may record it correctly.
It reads {"hour": 3, "minute": 31, "second": 20}
